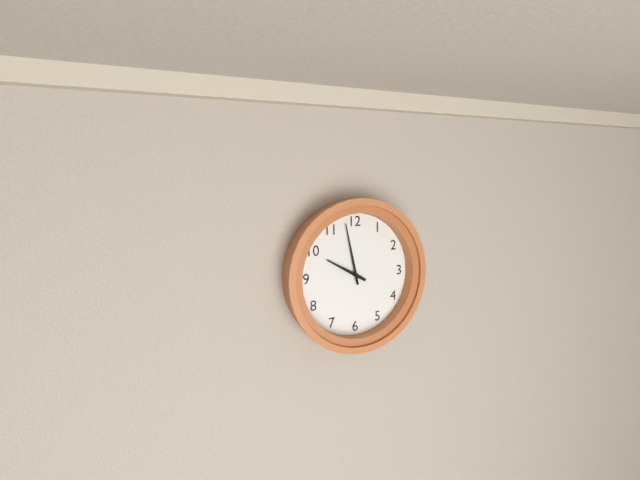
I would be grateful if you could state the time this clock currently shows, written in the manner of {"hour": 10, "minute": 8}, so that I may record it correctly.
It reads {"hour": 9, "minute": 58}
